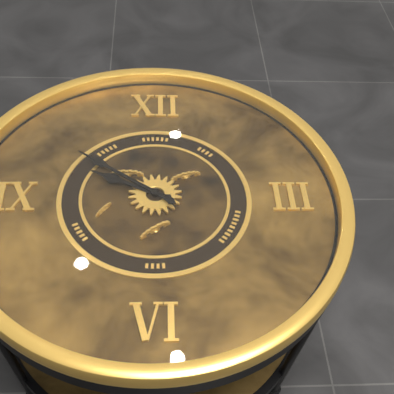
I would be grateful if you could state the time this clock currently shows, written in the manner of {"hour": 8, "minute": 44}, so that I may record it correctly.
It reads {"hour": 9, "minute": 51}
